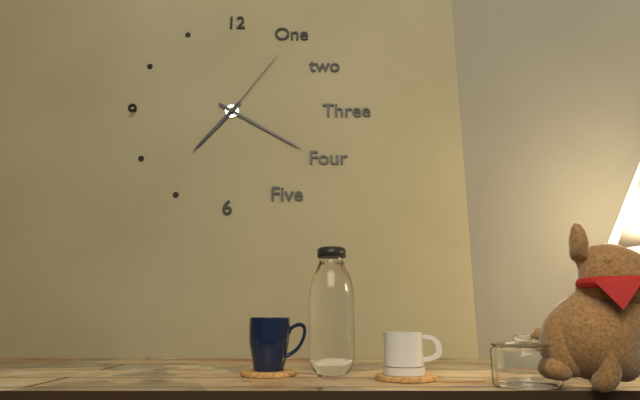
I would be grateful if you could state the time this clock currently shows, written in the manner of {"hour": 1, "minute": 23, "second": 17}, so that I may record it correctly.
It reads {"hour": 7, "minute": 20, "second": 6}
